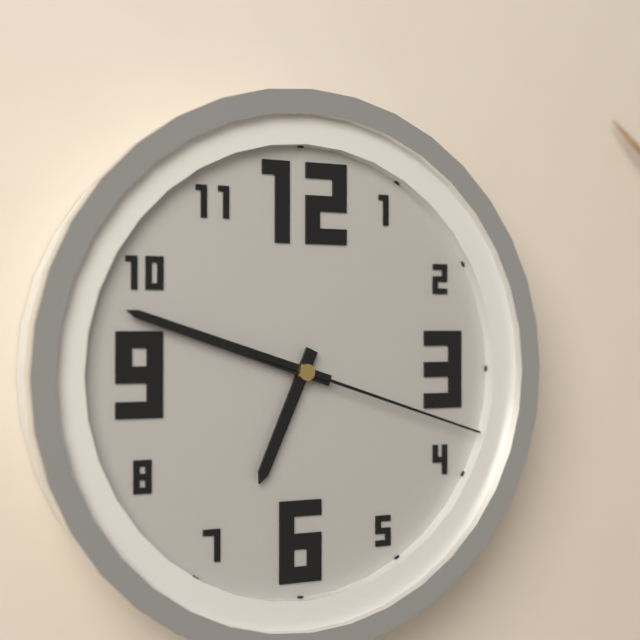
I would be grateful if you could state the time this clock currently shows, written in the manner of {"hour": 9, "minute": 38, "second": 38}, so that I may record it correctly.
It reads {"hour": 6, "minute": 48, "second": 18}
